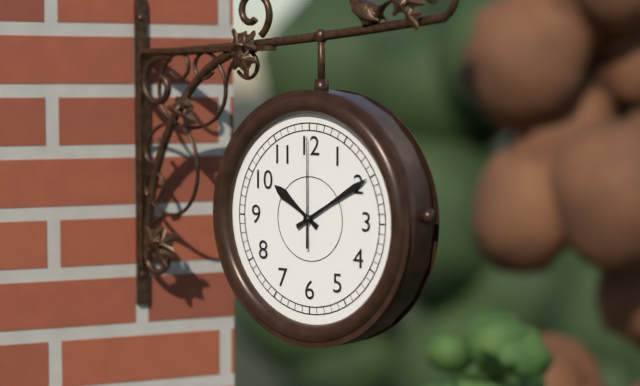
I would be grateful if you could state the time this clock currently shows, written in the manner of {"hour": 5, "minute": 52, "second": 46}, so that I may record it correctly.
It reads {"hour": 10, "minute": 10, "second": 0}
